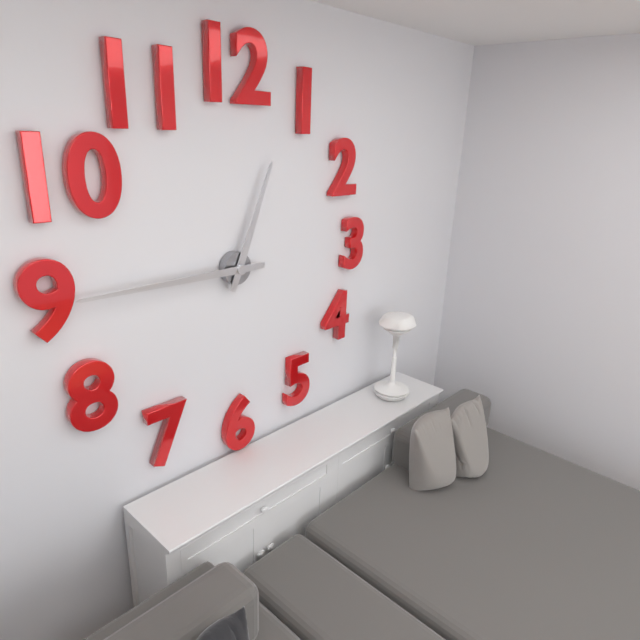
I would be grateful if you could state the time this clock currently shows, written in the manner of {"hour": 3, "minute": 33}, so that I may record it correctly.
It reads {"hour": 12, "minute": 45}
